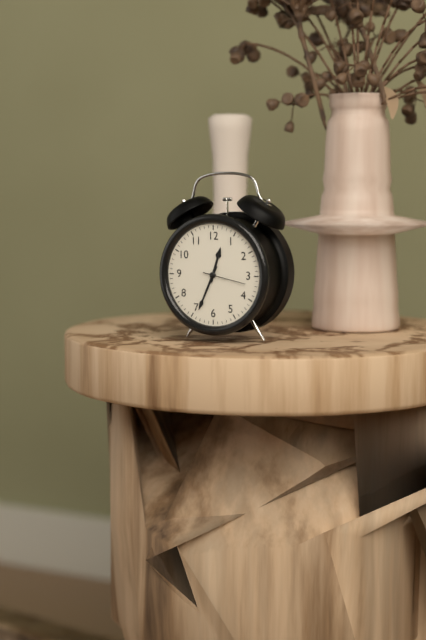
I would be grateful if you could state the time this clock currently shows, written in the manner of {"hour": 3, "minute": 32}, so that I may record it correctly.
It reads {"hour": 12, "minute": 34}
